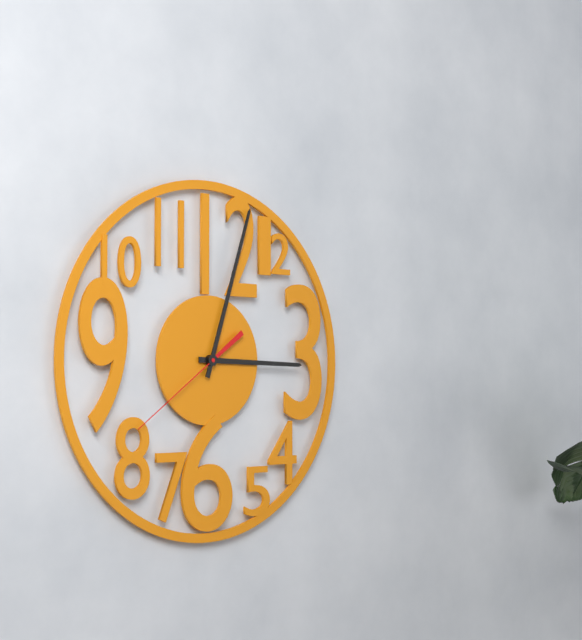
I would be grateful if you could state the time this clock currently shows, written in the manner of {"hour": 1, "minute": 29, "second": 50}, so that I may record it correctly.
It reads {"hour": 3, "minute": 3, "second": 39}
